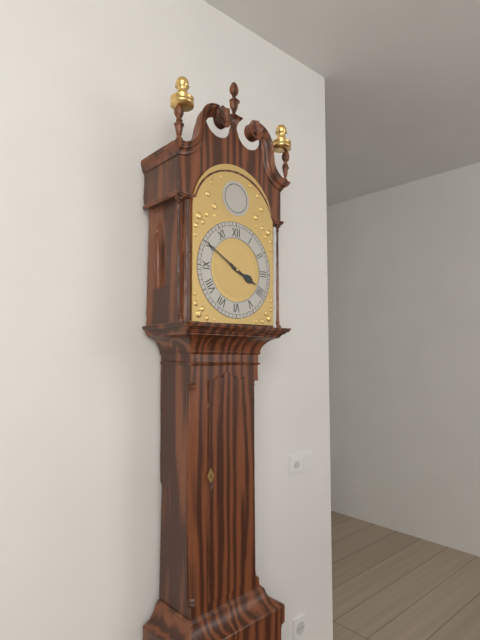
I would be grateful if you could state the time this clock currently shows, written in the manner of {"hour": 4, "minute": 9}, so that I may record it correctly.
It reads {"hour": 3, "minute": 50}
